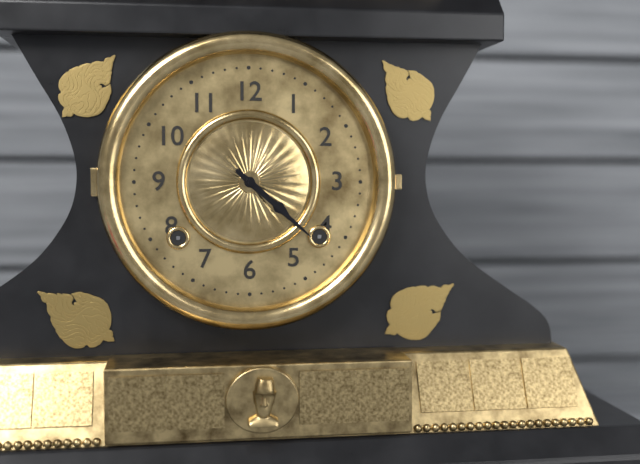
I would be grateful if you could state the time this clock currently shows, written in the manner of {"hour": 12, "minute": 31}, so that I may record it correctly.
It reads {"hour": 4, "minute": 22}
